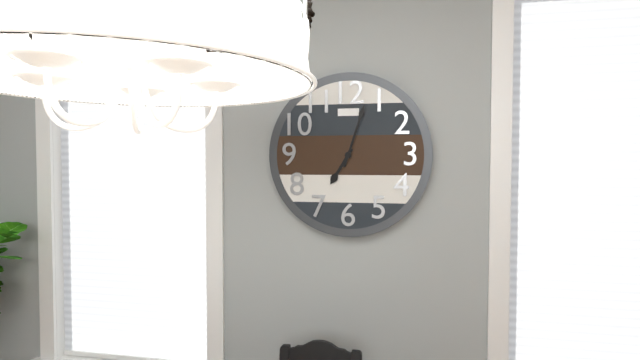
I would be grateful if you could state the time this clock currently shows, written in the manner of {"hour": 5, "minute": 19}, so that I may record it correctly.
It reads {"hour": 7, "minute": 3}
